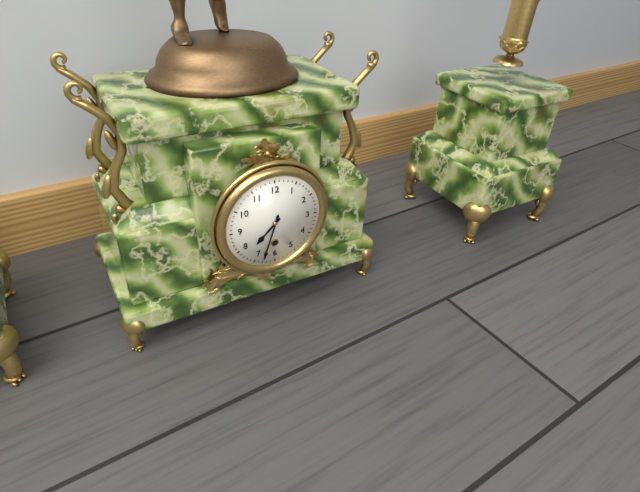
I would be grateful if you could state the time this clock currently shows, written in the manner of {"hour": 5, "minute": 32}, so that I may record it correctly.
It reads {"hour": 7, "minute": 33}
